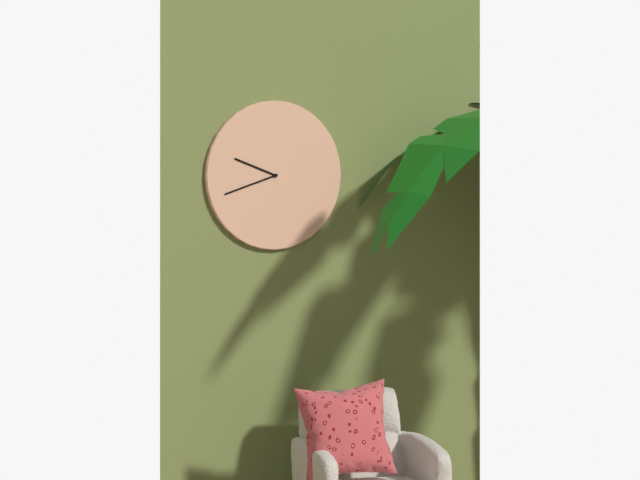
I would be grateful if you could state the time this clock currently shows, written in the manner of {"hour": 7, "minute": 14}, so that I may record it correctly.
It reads {"hour": 9, "minute": 42}
